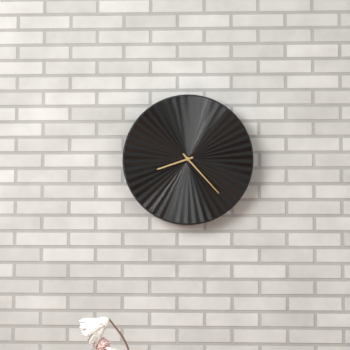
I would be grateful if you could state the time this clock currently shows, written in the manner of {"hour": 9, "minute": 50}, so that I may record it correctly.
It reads {"hour": 8, "minute": 23}
